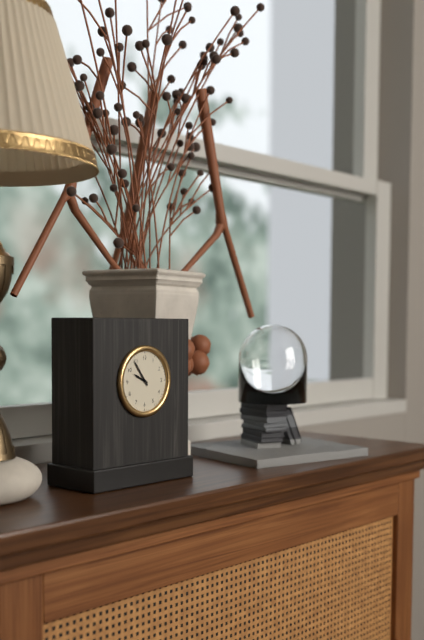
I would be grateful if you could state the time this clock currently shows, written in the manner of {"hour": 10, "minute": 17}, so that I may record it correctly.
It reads {"hour": 9, "minute": 54}
